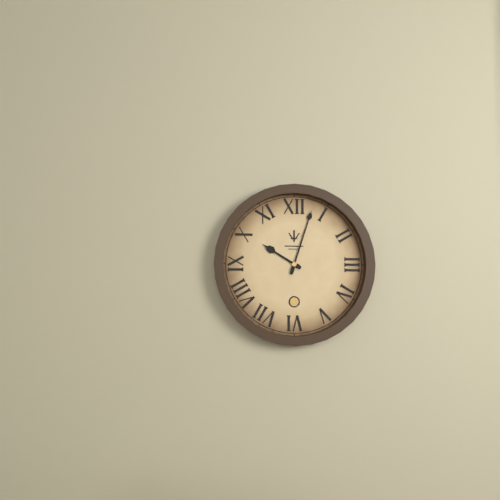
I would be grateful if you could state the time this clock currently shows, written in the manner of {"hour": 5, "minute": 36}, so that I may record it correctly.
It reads {"hour": 10, "minute": 3}
